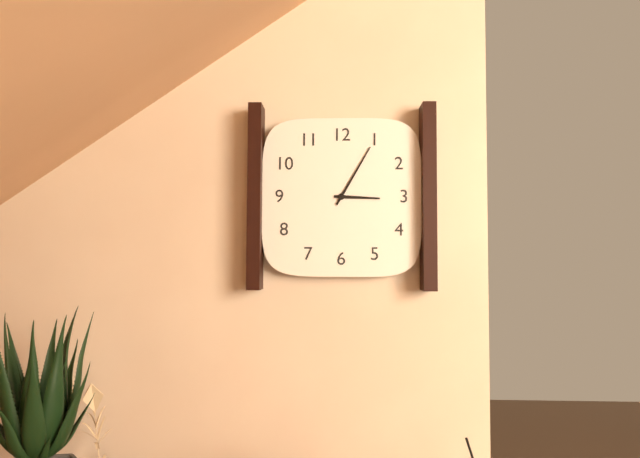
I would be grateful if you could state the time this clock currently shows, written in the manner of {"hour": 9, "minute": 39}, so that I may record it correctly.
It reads {"hour": 3, "minute": 5}
